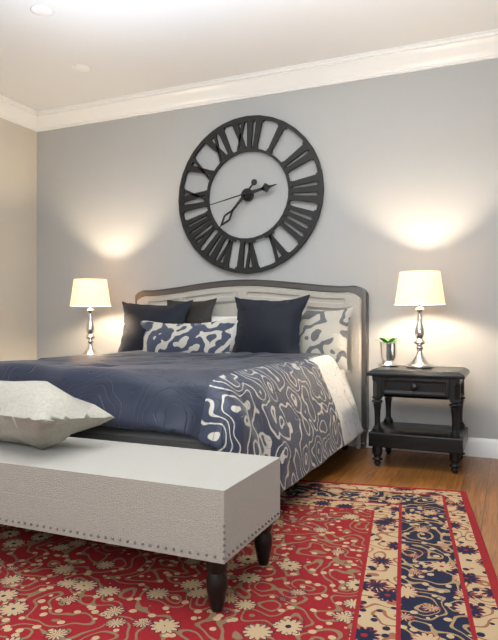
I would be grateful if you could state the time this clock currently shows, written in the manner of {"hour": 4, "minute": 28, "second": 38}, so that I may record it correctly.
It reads {"hour": 2, "minute": 37, "second": 43}
